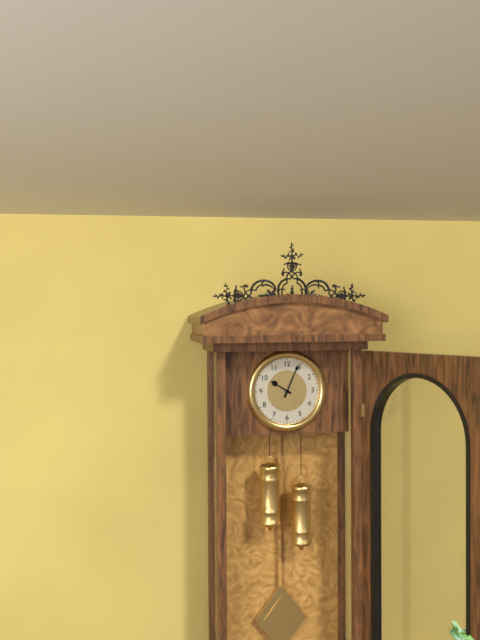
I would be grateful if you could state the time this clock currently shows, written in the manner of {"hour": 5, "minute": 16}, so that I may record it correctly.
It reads {"hour": 10, "minute": 4}
